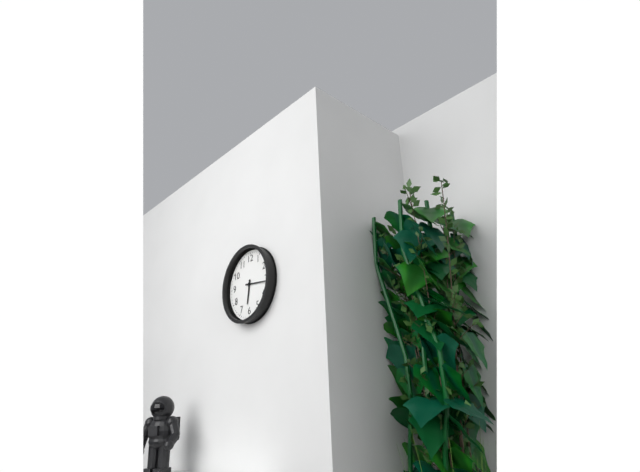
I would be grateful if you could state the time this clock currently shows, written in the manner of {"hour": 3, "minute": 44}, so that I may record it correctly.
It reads {"hour": 6, "minute": 16}
